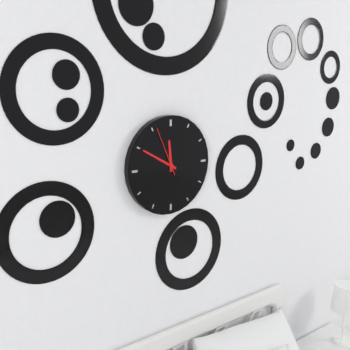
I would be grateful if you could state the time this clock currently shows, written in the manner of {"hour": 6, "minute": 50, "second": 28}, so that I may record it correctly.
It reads {"hour": 11, "minute": 50, "second": 56}
